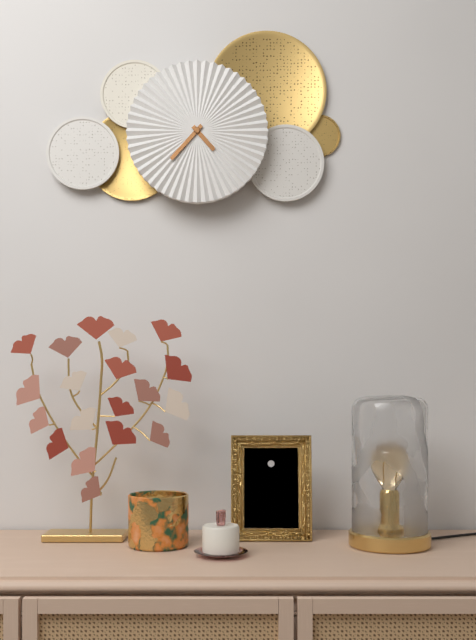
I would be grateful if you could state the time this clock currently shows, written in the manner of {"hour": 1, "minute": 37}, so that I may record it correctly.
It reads {"hour": 4, "minute": 37}
